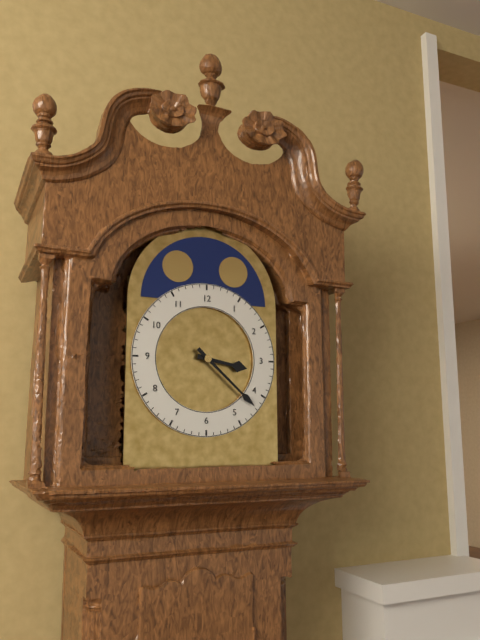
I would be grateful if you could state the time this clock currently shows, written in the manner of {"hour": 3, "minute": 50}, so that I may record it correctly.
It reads {"hour": 3, "minute": 22}
